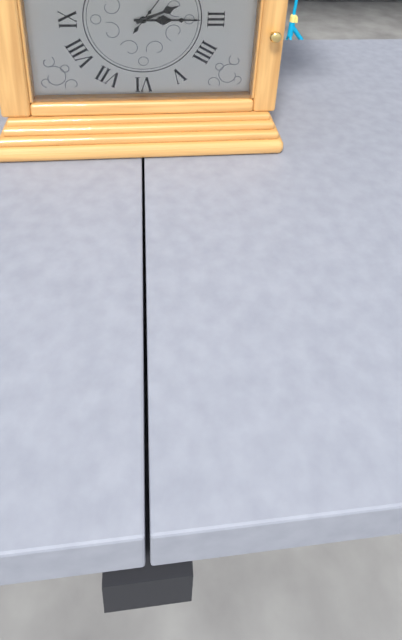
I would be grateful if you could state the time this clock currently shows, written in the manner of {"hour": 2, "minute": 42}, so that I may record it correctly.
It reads {"hour": 2, "minute": 15}
